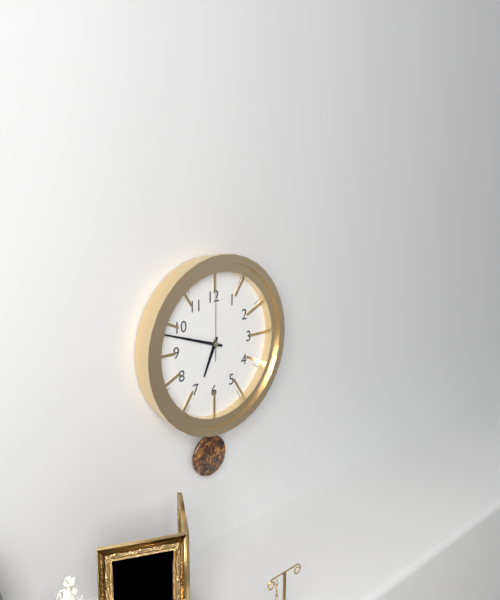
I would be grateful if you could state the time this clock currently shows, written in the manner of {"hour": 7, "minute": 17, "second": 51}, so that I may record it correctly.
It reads {"hour": 6, "minute": 48, "second": 0}
